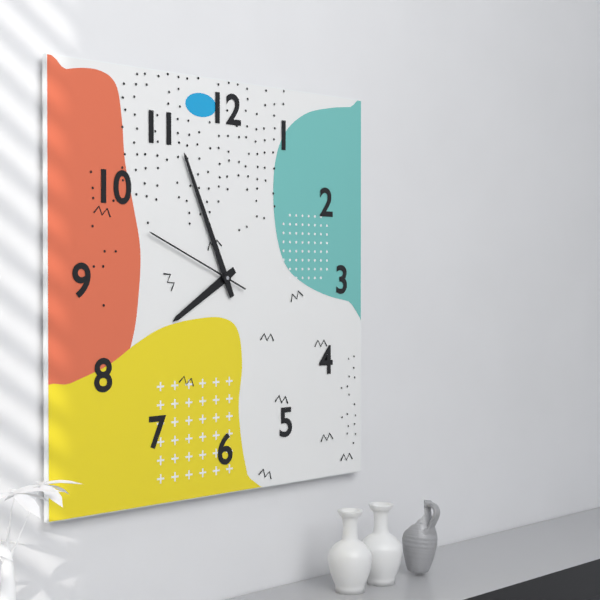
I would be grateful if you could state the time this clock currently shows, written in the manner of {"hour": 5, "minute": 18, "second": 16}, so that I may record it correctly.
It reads {"hour": 7, "minute": 56, "second": 49}
